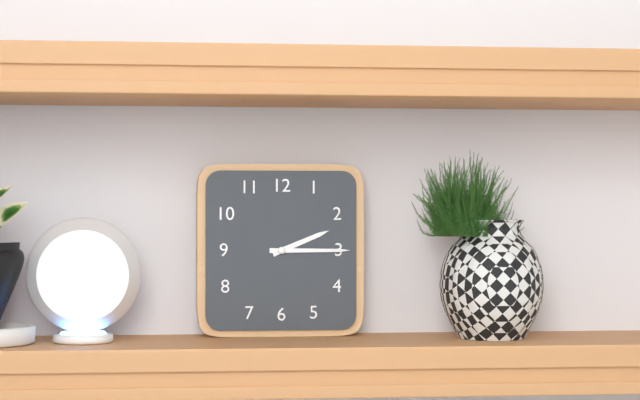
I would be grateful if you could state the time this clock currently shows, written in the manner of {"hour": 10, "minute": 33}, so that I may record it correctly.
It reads {"hour": 2, "minute": 15}
